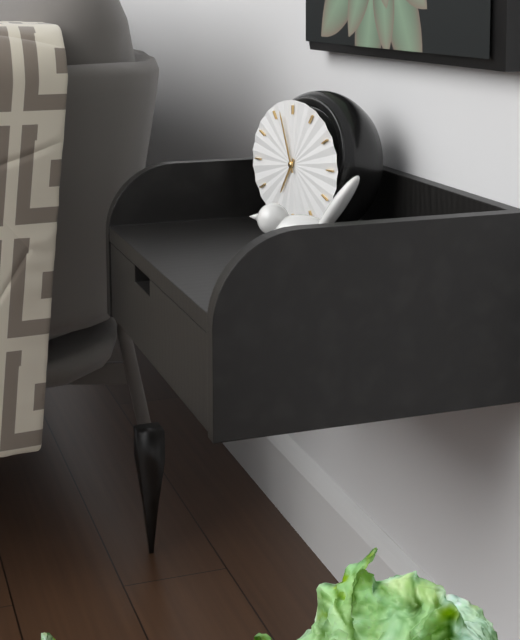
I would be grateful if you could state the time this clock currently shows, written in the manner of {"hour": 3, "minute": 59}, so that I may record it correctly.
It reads {"hour": 6, "minute": 57}
